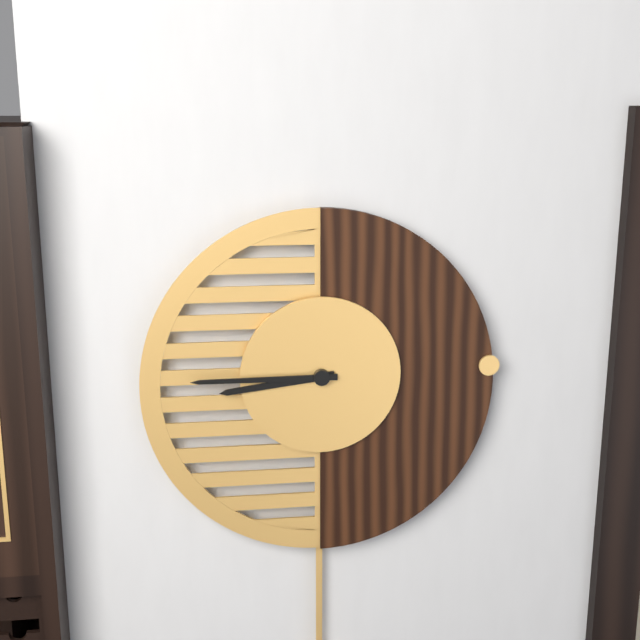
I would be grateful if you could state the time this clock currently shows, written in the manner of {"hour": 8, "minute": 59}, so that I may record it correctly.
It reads {"hour": 8, "minute": 45}
